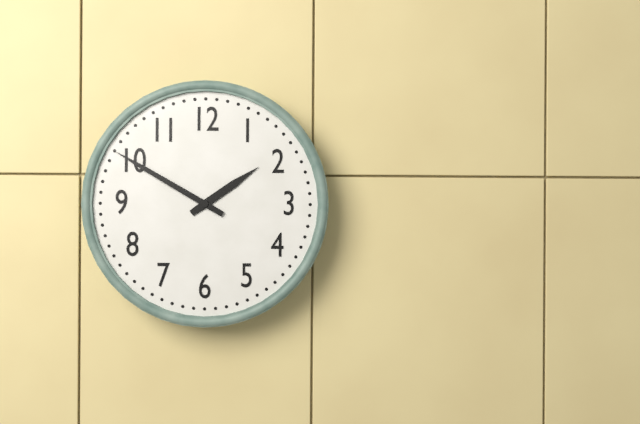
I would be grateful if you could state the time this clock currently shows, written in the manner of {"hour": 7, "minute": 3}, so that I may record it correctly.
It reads {"hour": 1, "minute": 50}
